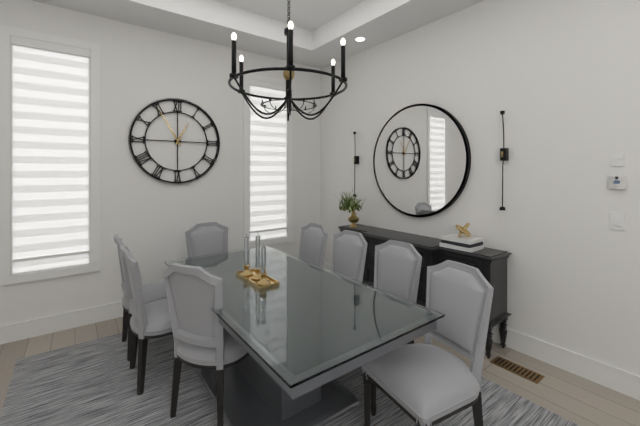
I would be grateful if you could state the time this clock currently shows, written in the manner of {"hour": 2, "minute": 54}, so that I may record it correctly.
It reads {"hour": 12, "minute": 55}
